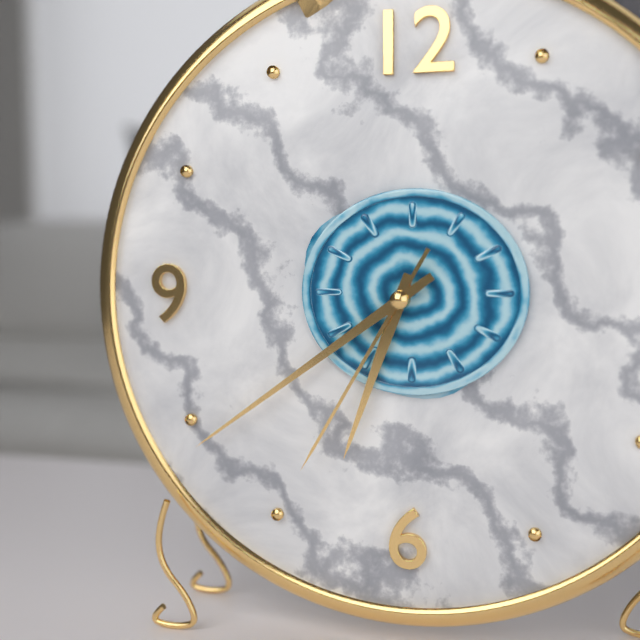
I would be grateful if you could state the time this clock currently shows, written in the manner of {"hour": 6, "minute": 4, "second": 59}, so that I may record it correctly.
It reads {"hour": 6, "minute": 39, "second": 35}
